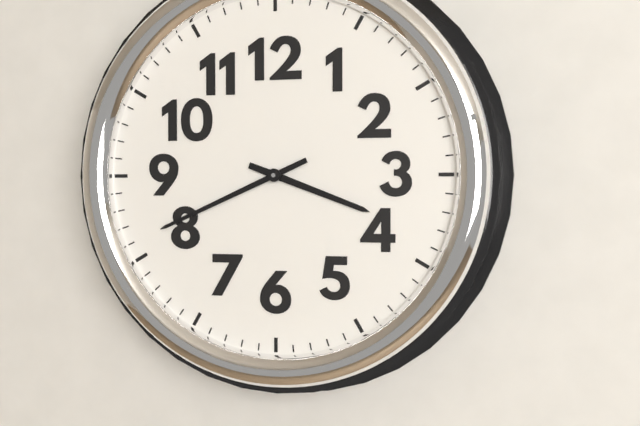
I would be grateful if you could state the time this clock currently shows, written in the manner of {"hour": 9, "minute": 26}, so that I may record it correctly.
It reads {"hour": 3, "minute": 41}
